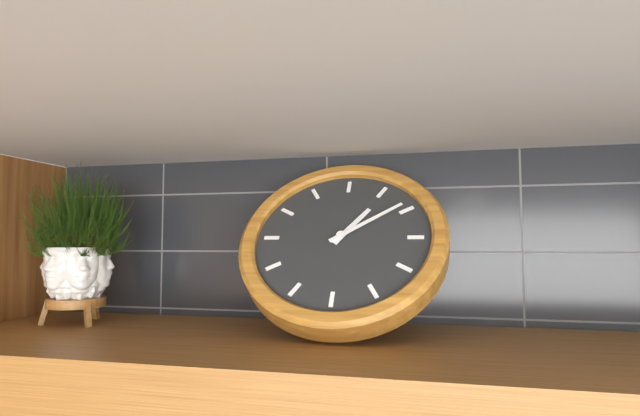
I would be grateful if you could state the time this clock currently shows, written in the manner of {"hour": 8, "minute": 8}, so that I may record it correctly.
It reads {"hour": 1, "minute": 9}
